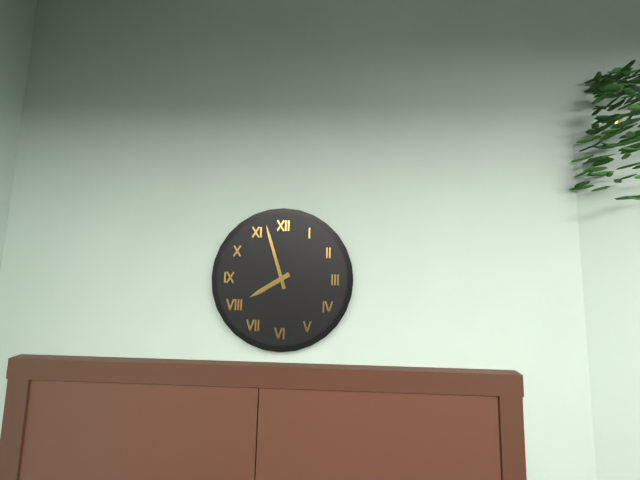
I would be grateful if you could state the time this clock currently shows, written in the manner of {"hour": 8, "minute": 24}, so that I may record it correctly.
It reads {"hour": 7, "minute": 57}
